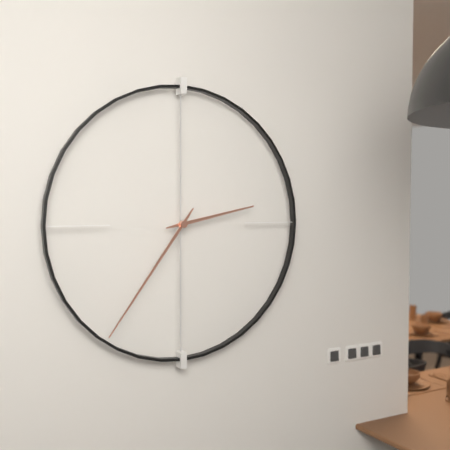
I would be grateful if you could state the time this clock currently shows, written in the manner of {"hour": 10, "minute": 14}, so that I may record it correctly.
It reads {"hour": 2, "minute": 36}
